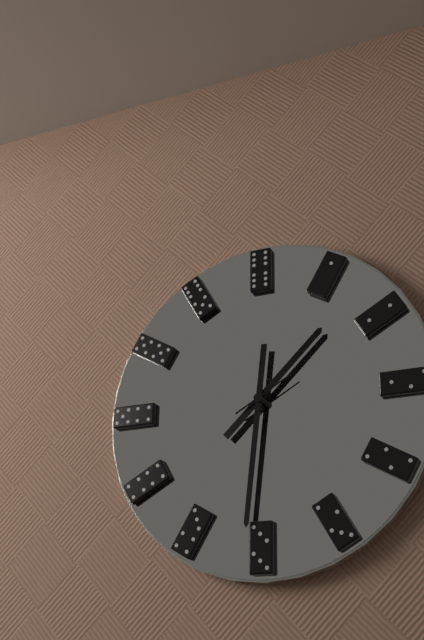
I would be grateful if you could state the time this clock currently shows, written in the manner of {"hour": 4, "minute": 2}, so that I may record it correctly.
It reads {"hour": 1, "minute": 31}
